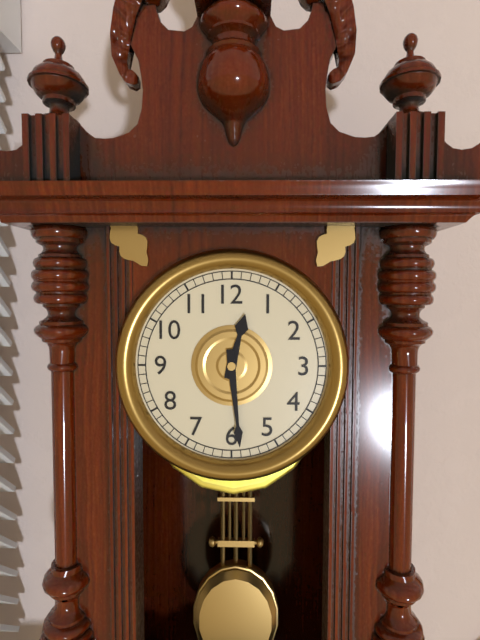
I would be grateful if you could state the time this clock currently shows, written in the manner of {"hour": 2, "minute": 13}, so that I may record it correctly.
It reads {"hour": 12, "minute": 29}
